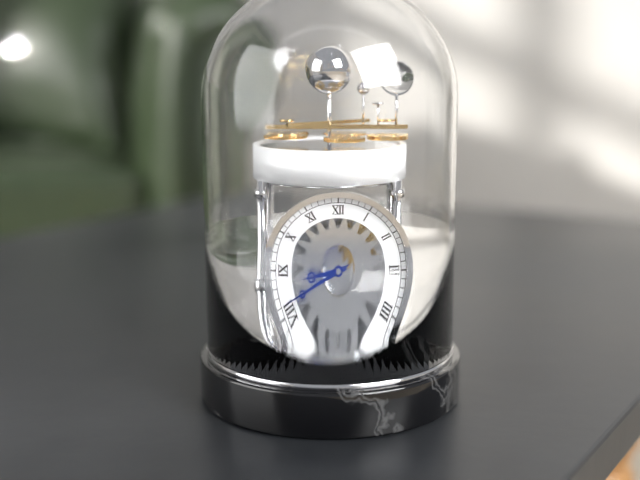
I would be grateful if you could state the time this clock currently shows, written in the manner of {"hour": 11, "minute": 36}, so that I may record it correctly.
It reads {"hour": 8, "minute": 41}
